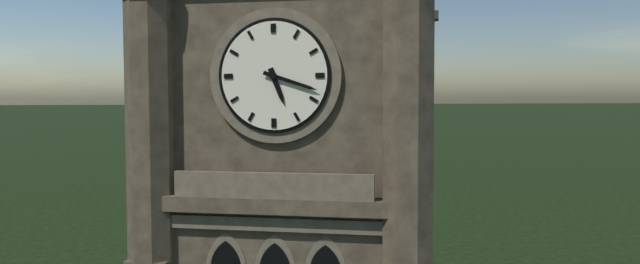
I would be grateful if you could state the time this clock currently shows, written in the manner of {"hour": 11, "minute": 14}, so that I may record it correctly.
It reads {"hour": 5, "minute": 18}
